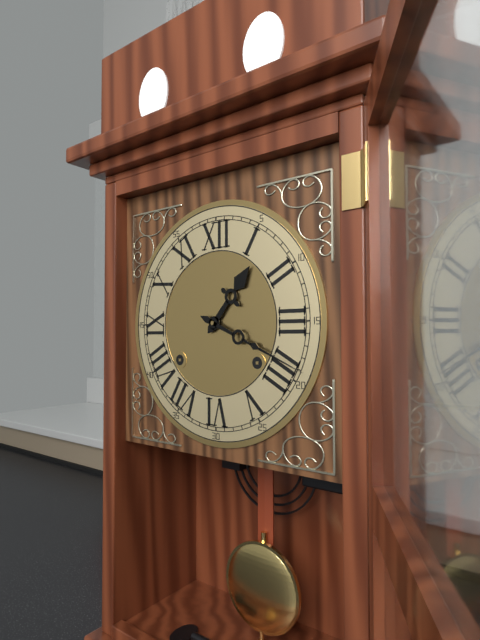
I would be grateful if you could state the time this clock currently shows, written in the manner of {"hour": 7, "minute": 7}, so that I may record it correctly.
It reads {"hour": 1, "minute": 19}
